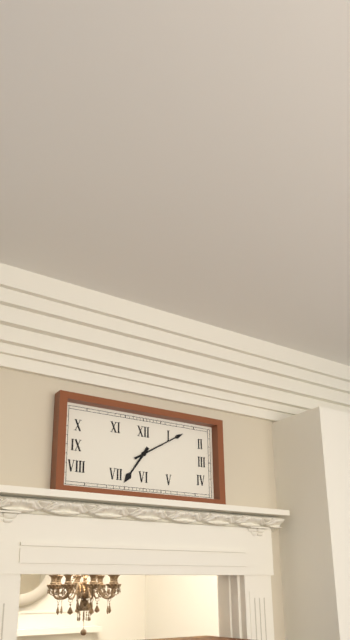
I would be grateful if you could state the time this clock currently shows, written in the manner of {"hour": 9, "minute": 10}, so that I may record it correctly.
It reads {"hour": 7, "minute": 10}
